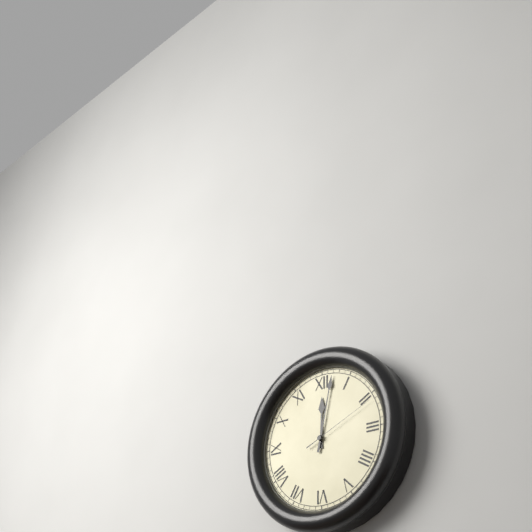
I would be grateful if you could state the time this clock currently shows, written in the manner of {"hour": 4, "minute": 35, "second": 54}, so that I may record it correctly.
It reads {"hour": 12, "minute": 2, "second": 11}
